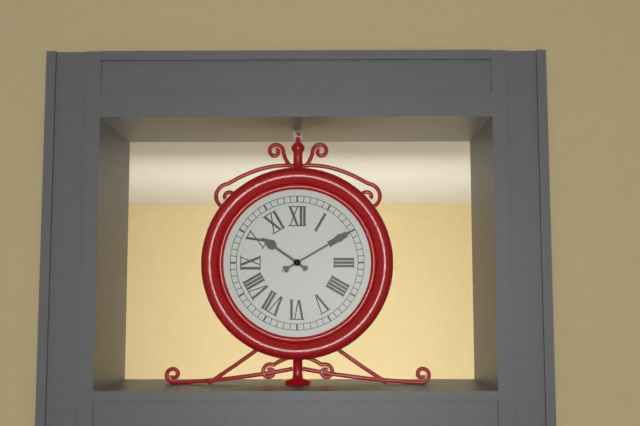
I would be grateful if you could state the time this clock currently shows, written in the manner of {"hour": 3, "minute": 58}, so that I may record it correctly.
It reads {"hour": 10, "minute": 10}
